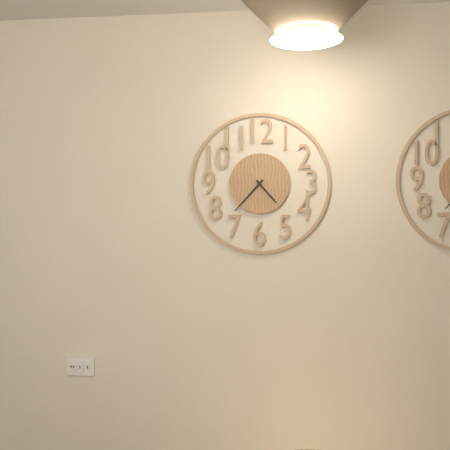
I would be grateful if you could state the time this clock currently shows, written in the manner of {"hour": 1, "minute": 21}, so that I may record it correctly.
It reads {"hour": 4, "minute": 37}
